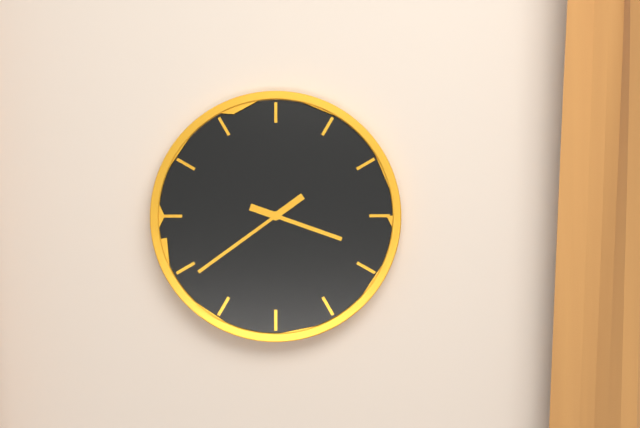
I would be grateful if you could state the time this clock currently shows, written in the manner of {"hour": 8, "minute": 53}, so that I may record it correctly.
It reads {"hour": 3, "minute": 39}
